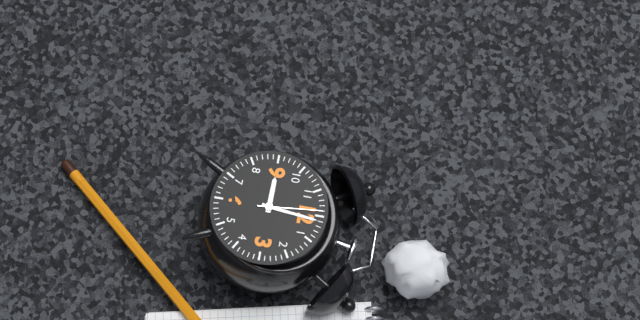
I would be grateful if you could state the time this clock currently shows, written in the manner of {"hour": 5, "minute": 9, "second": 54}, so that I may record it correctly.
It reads {"hour": 9, "minute": 1, "second": 59}
